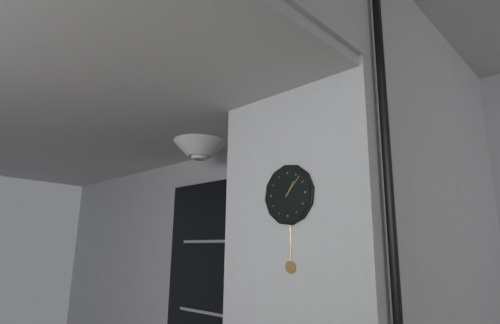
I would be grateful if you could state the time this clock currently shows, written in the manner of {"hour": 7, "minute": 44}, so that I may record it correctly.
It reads {"hour": 1, "minute": 7}
